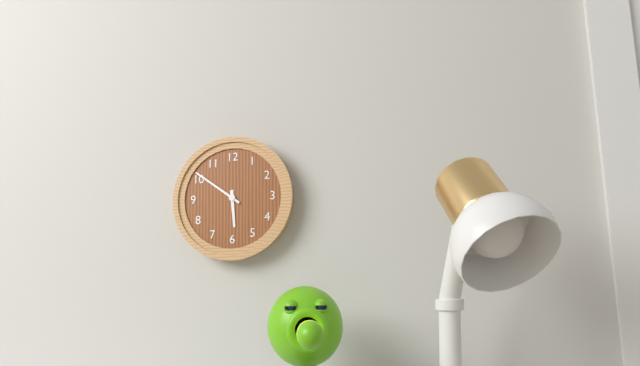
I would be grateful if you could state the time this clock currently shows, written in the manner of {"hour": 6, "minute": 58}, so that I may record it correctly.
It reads {"hour": 5, "minute": 51}
